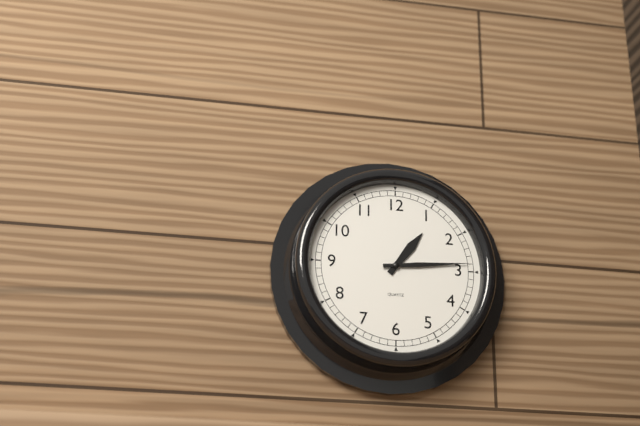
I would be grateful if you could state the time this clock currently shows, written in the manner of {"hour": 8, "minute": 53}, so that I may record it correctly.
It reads {"hour": 1, "minute": 14}
